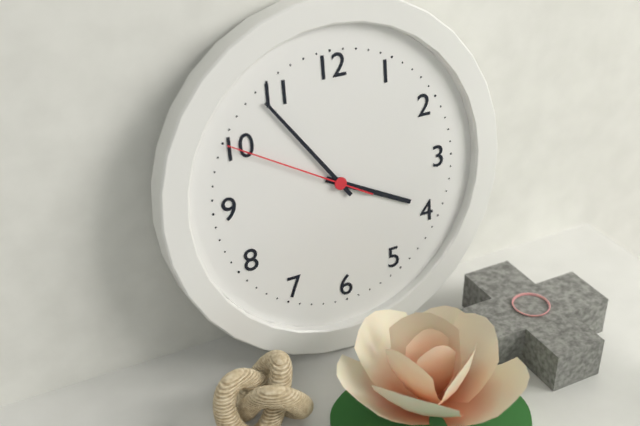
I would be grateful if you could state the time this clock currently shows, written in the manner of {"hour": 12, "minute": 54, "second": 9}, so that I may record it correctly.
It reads {"hour": 3, "minute": 54, "second": 50}
